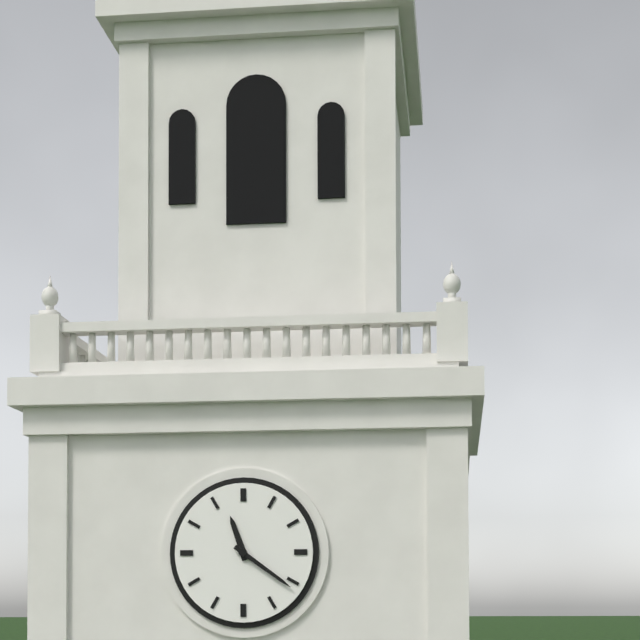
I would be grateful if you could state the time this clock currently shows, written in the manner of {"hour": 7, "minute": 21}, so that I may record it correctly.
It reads {"hour": 11, "minute": 21}
